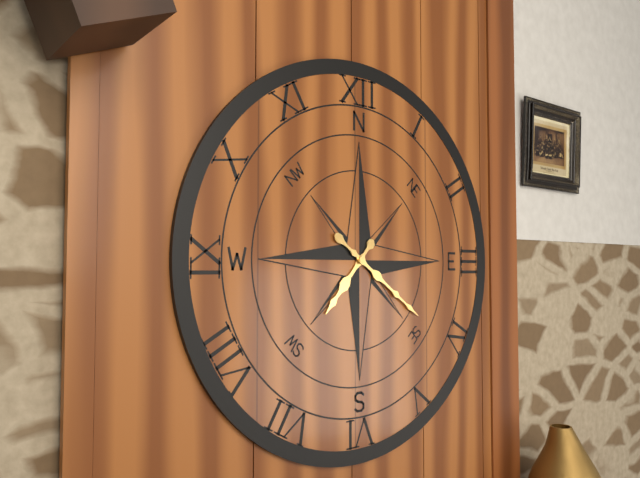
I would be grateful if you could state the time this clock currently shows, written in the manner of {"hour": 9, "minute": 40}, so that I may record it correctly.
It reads {"hour": 7, "minute": 21}
